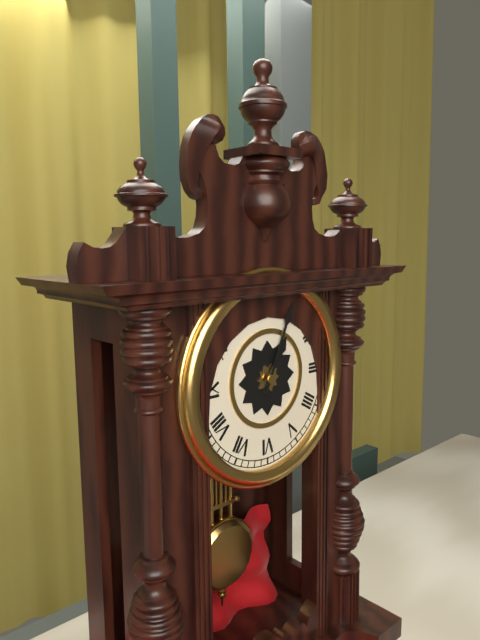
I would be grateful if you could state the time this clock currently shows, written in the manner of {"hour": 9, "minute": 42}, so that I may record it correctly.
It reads {"hour": 1, "minute": 4}
